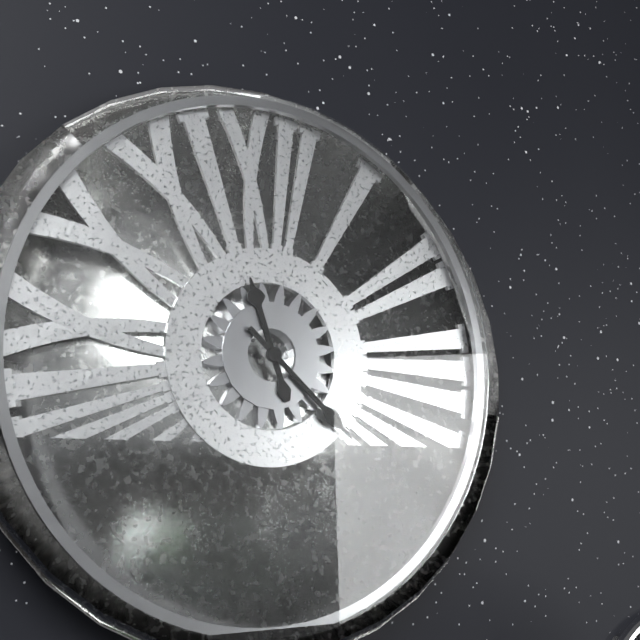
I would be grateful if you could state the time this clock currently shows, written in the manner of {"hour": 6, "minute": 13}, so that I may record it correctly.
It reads {"hour": 11, "minute": 22}
